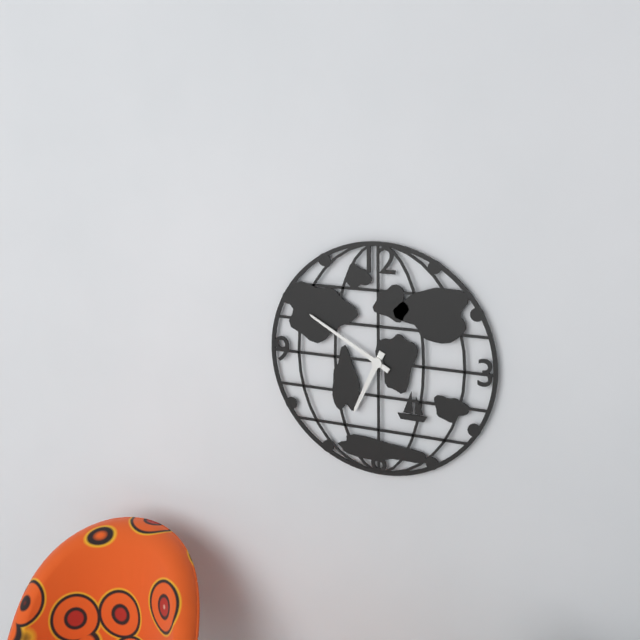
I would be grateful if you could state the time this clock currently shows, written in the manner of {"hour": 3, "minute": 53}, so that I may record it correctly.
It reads {"hour": 6, "minute": 50}
